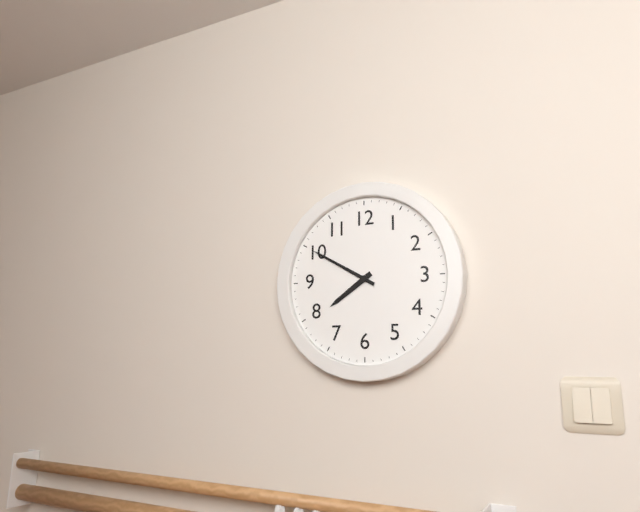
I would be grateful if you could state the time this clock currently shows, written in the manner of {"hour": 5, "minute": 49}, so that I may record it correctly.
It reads {"hour": 7, "minute": 50}
